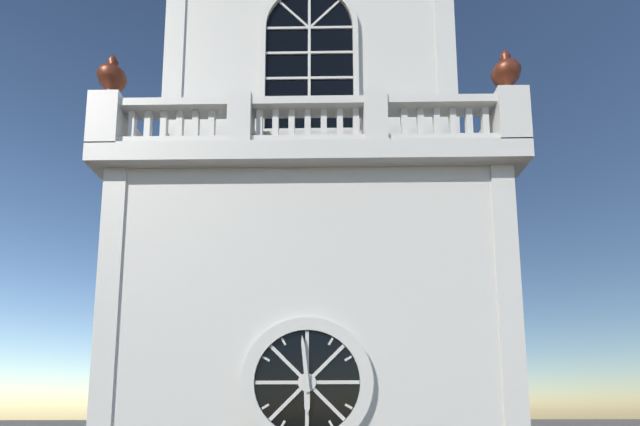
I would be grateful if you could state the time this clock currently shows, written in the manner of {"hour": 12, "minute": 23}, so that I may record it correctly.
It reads {"hour": 5, "minute": 59}
